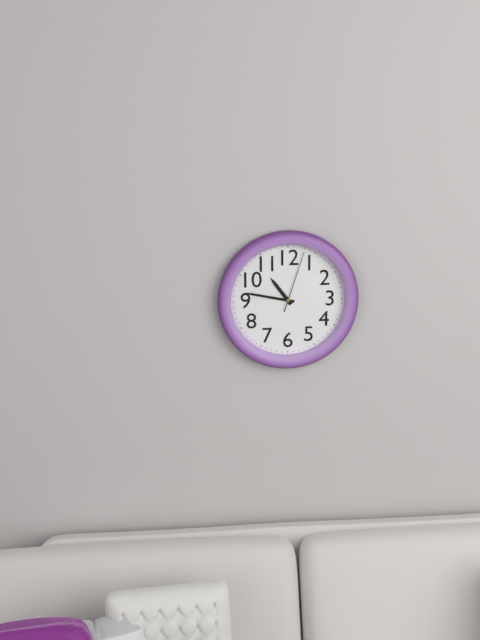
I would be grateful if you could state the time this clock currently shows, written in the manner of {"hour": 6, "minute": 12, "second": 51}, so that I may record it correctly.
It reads {"hour": 10, "minute": 47, "second": 3}
